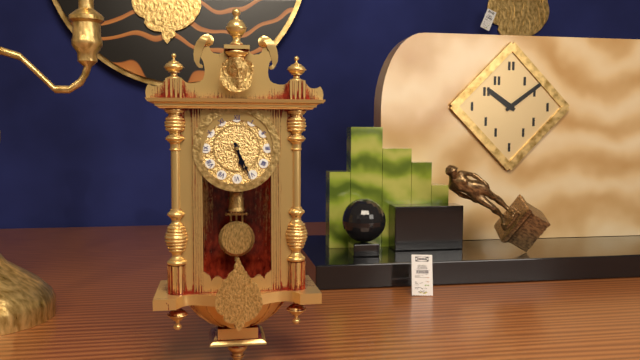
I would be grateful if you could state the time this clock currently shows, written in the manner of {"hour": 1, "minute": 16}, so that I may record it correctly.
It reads {"hour": 5, "minute": 26}
